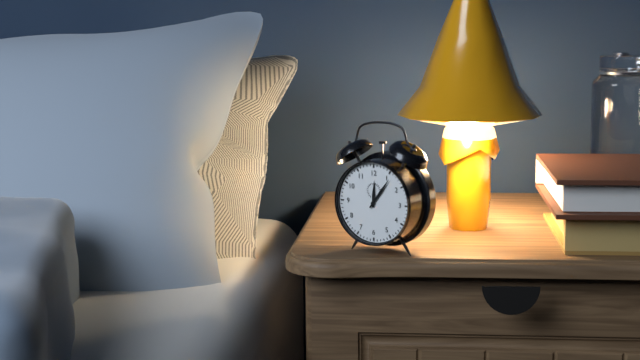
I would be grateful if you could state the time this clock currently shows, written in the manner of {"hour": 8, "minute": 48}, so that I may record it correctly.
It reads {"hour": 12, "minute": 6}
